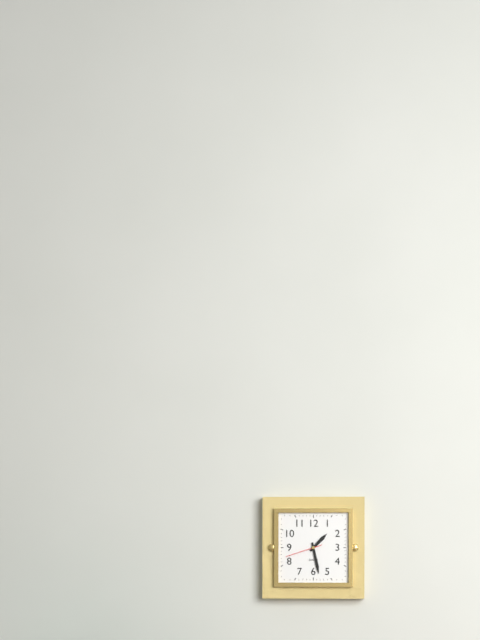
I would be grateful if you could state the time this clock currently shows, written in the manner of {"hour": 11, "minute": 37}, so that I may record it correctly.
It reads {"hour": 1, "minute": 28}
